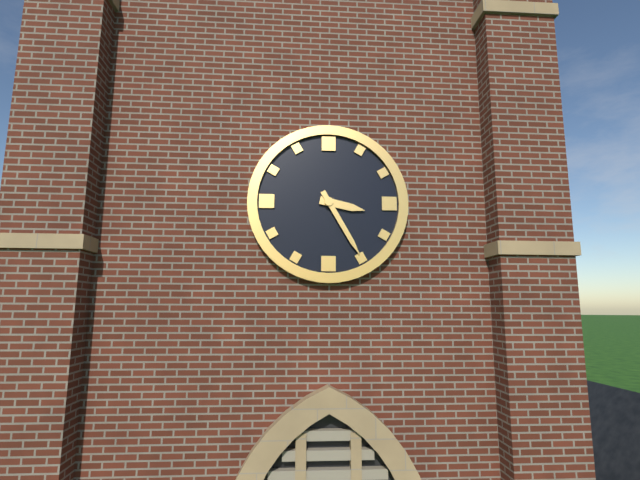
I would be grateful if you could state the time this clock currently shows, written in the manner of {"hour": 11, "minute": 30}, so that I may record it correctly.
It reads {"hour": 3, "minute": 25}
